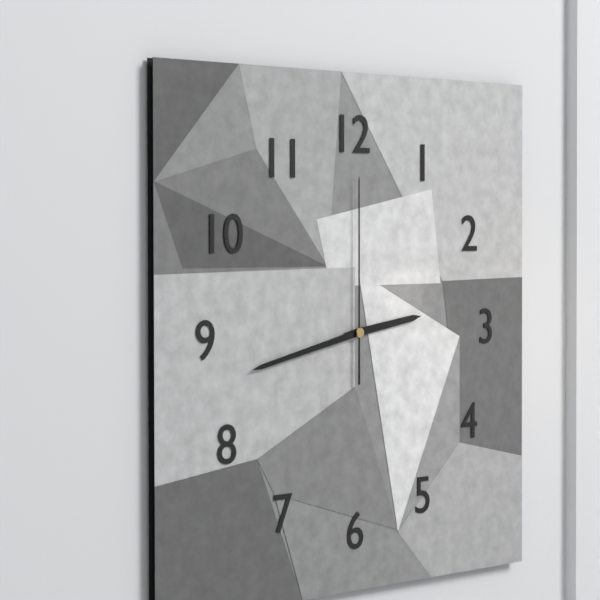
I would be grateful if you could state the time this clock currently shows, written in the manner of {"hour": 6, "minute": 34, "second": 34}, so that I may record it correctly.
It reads {"hour": 2, "minute": 43, "second": 0}
